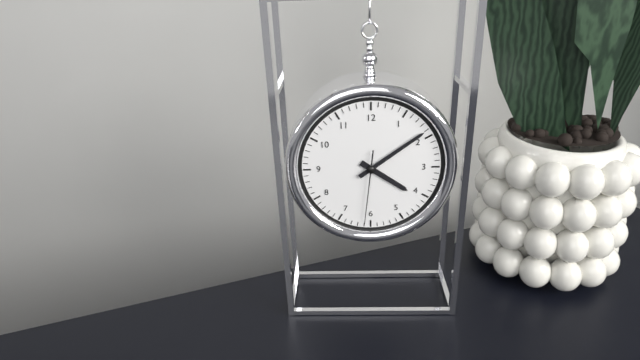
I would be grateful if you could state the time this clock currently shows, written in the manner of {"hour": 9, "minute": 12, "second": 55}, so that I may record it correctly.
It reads {"hour": 4, "minute": 9, "second": 31}
